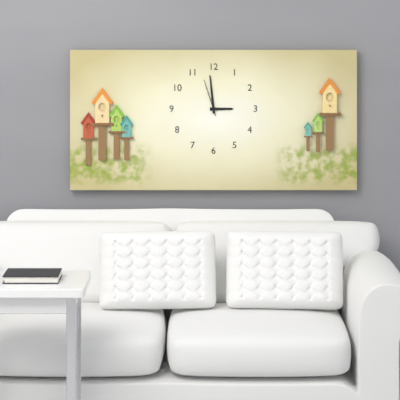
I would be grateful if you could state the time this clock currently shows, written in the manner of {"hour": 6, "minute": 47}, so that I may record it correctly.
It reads {"hour": 2, "minute": 59}
